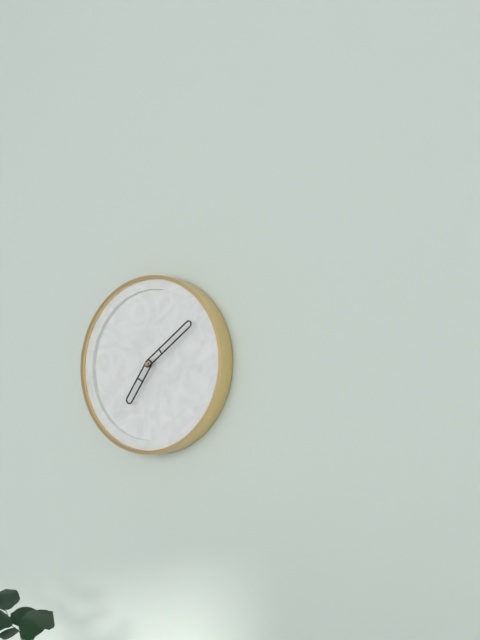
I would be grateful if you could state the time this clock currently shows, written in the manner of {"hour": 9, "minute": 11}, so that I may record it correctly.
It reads {"hour": 7, "minute": 9}
